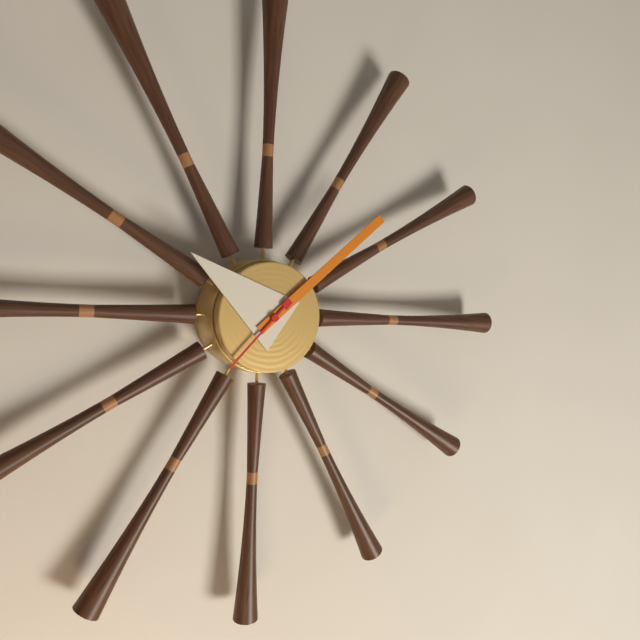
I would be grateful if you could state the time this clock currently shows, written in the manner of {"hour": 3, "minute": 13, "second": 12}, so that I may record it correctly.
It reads {"hour": 10, "minute": 8, "second": 37}
